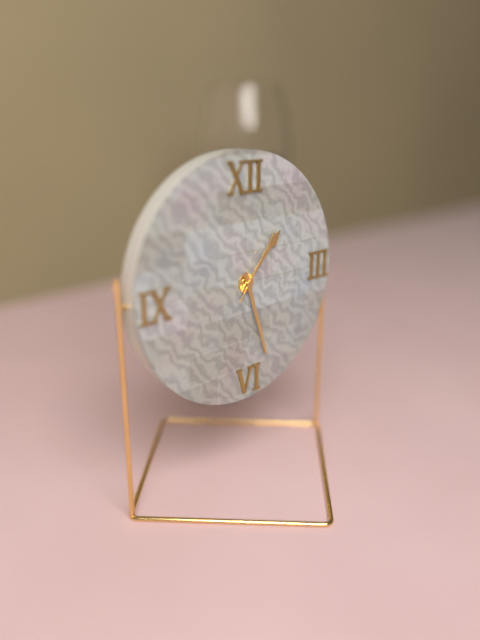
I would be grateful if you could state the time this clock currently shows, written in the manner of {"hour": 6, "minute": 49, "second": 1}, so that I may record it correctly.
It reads {"hour": 1, "minute": 27, "second": 6}
